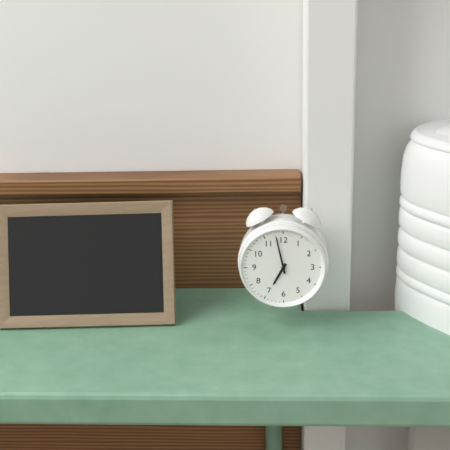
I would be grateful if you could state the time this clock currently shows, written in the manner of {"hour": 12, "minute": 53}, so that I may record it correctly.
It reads {"hour": 6, "minute": 58}
